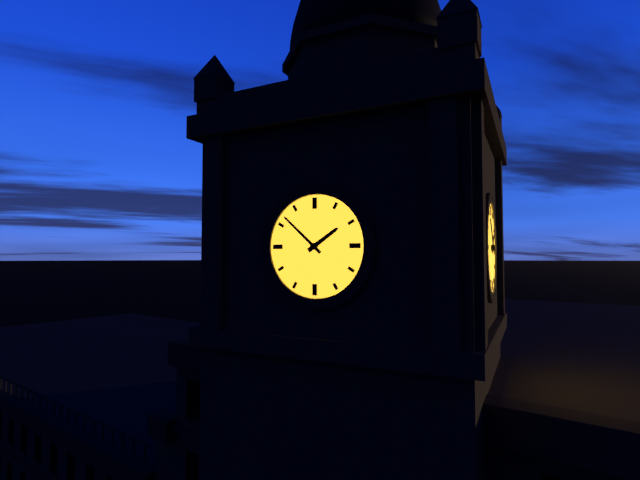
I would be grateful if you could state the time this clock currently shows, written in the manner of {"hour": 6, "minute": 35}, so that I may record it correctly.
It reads {"hour": 1, "minute": 52}
